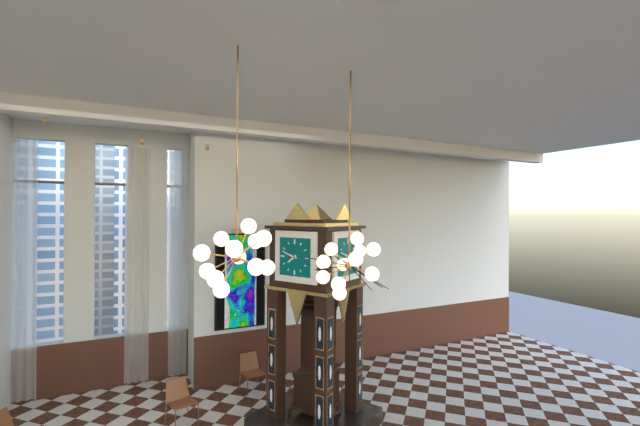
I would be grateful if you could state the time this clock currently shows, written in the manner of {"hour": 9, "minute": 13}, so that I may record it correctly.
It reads {"hour": 7, "minute": 48}
